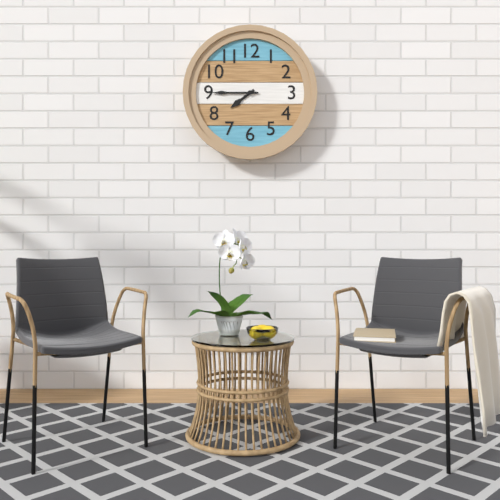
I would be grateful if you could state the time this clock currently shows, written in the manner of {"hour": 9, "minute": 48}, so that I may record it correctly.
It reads {"hour": 7, "minute": 45}
